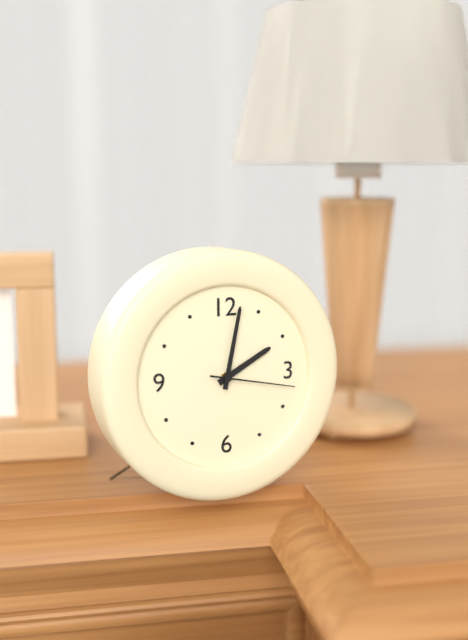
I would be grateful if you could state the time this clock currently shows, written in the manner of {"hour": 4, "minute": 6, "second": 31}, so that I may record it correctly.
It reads {"hour": 2, "minute": 2, "second": 17}
